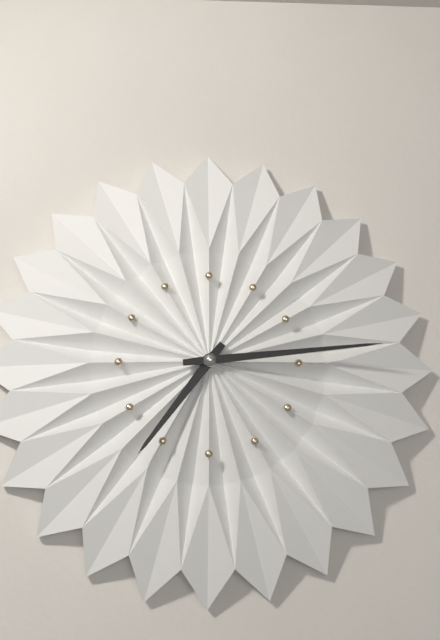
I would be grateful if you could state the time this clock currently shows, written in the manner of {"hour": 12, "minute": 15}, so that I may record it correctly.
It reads {"hour": 7, "minute": 14}
